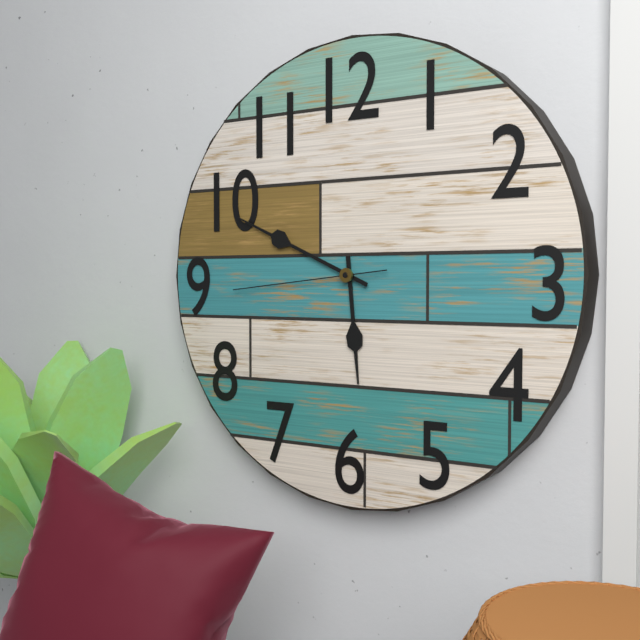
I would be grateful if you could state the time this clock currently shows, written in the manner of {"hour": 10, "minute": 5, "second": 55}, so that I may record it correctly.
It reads {"hour": 5, "minute": 49, "second": 44}
